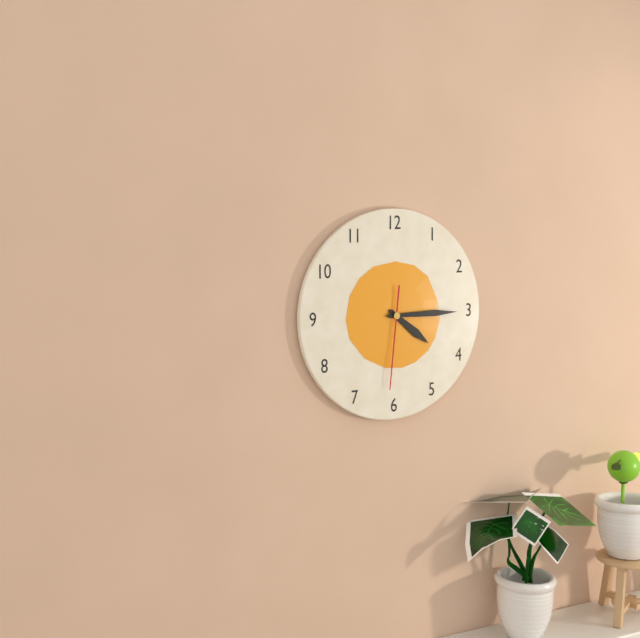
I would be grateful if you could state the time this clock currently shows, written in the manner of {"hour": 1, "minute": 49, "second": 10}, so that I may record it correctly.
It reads {"hour": 4, "minute": 15, "second": 31}
